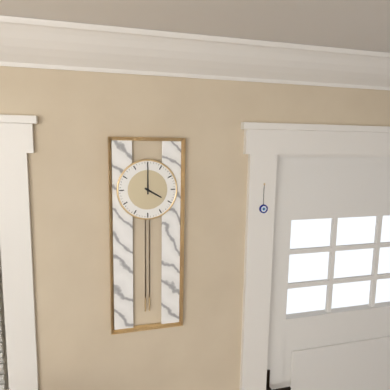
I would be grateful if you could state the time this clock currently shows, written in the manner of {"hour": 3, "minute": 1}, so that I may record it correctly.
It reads {"hour": 4, "minute": 0}
